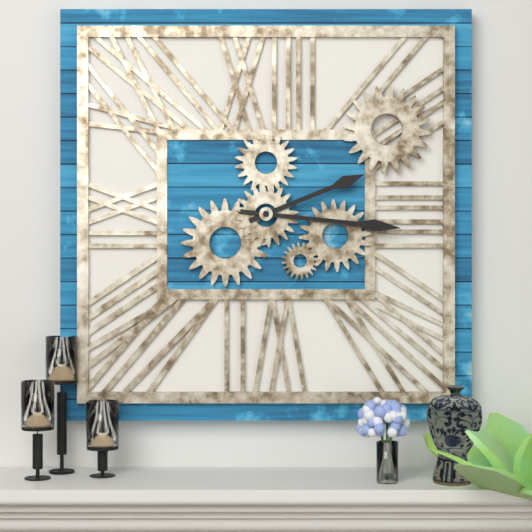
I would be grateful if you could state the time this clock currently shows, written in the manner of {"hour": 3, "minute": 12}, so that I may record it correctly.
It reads {"hour": 2, "minute": 16}
